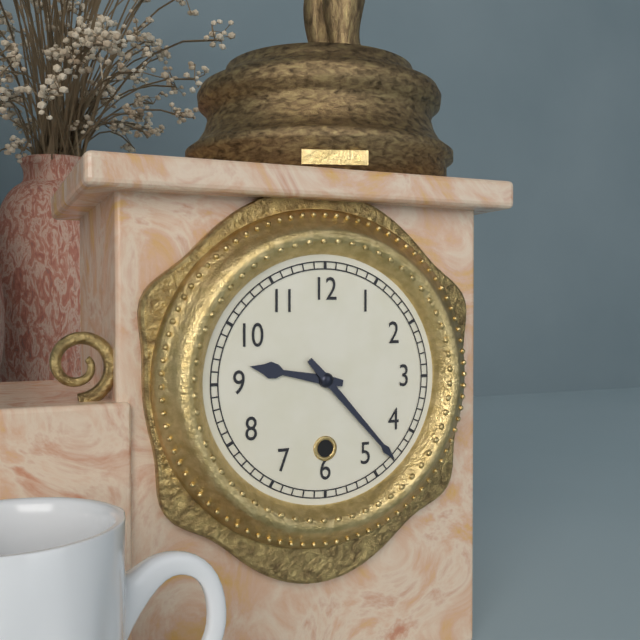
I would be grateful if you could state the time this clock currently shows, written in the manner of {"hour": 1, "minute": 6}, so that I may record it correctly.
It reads {"hour": 9, "minute": 23}
